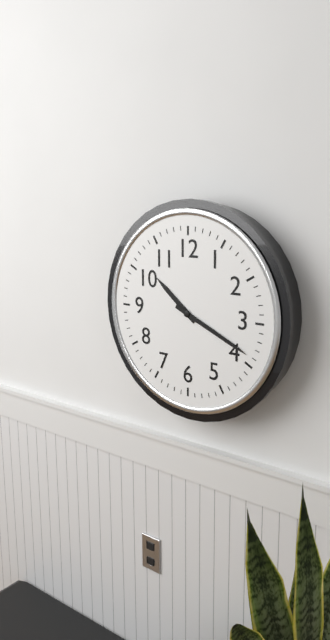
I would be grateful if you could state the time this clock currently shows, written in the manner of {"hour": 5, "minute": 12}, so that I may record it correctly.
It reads {"hour": 10, "minute": 19}
